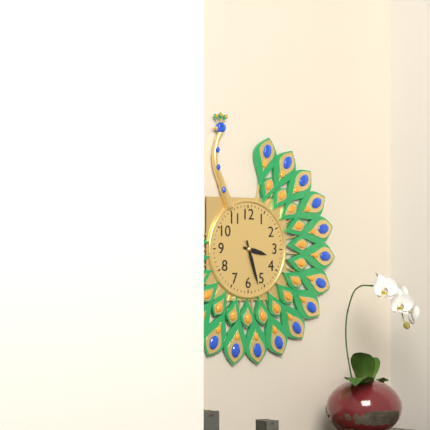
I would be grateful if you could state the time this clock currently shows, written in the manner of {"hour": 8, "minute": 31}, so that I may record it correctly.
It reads {"hour": 3, "minute": 27}
